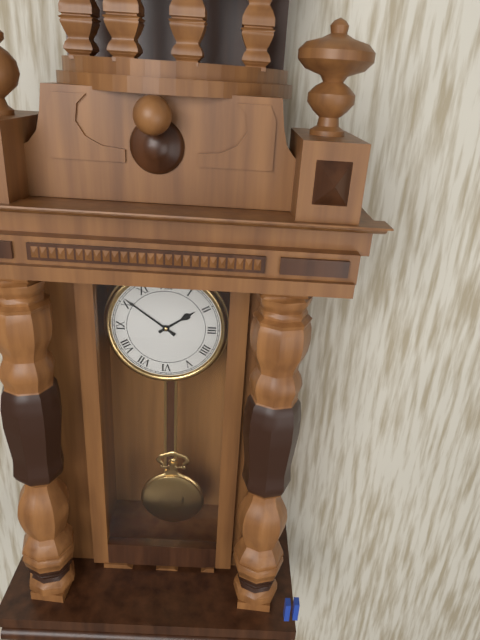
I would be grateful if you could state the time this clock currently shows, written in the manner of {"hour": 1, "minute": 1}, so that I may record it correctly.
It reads {"hour": 1, "minute": 51}
